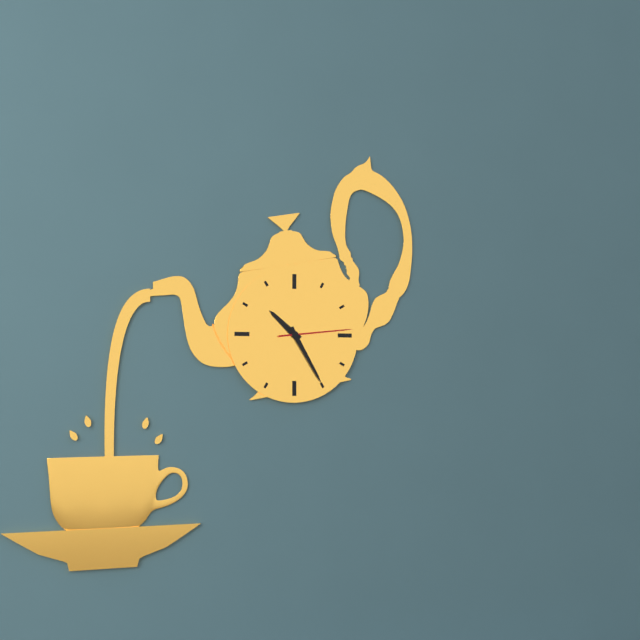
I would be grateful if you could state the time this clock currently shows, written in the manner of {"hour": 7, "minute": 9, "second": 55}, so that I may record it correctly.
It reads {"hour": 10, "minute": 25, "second": 14}
